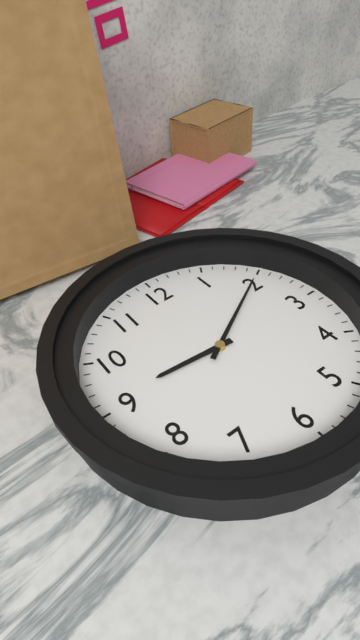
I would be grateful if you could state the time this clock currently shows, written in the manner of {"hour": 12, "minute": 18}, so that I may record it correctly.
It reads {"hour": 9, "minute": 10}
